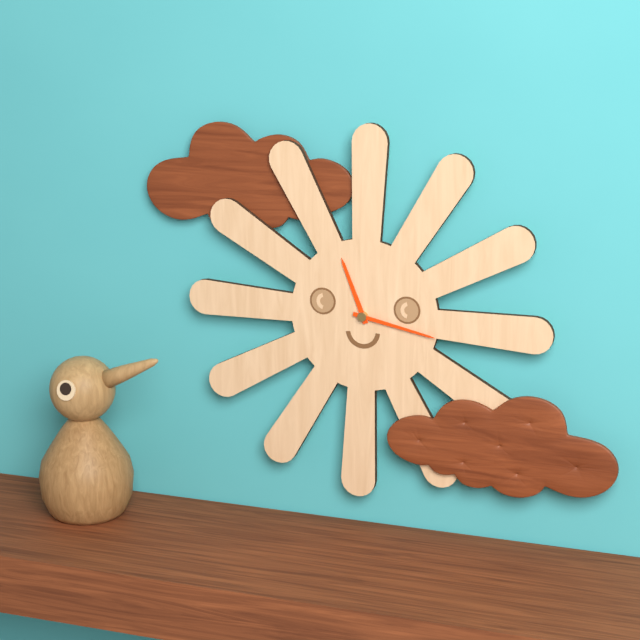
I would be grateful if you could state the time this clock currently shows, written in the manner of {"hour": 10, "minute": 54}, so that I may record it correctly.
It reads {"hour": 11, "minute": 17}
